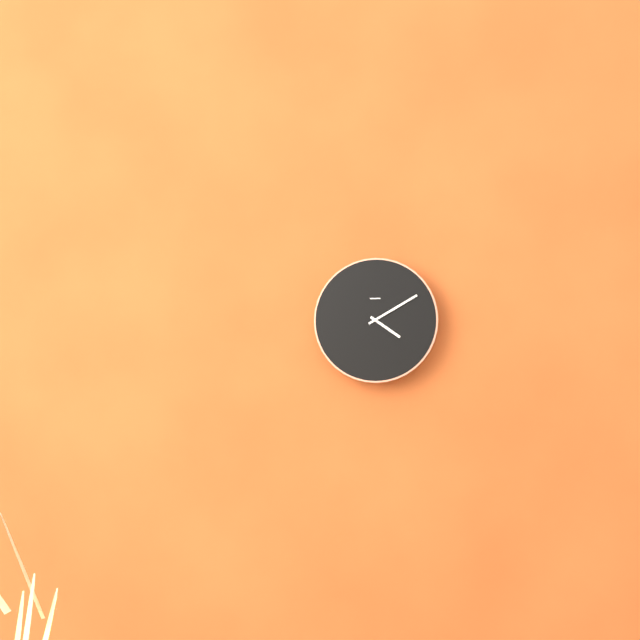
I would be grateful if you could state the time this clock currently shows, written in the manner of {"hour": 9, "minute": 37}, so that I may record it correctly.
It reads {"hour": 4, "minute": 10}
